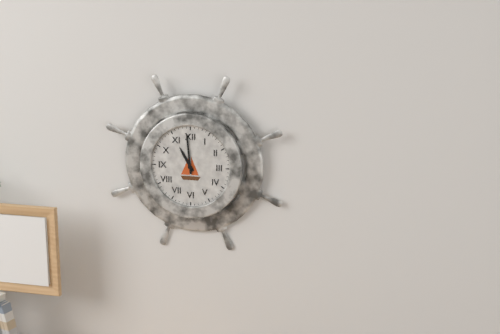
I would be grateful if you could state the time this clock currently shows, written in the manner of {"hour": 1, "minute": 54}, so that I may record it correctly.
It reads {"hour": 10, "minute": 59}
